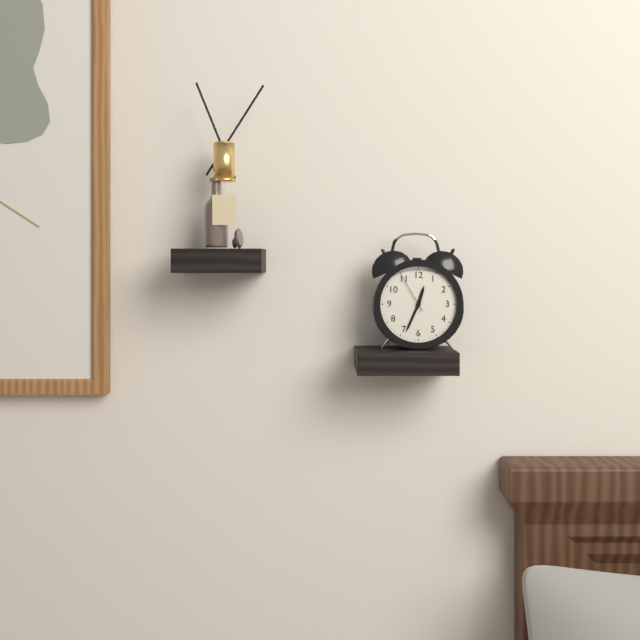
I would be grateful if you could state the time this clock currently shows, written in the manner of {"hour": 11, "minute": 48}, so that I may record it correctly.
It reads {"hour": 12, "minute": 34}
